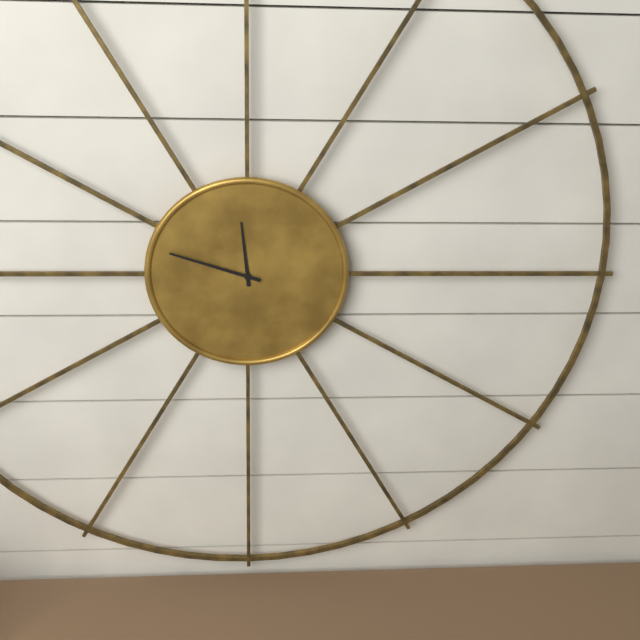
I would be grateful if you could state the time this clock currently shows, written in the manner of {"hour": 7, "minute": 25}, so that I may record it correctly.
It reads {"hour": 11, "minute": 48}
